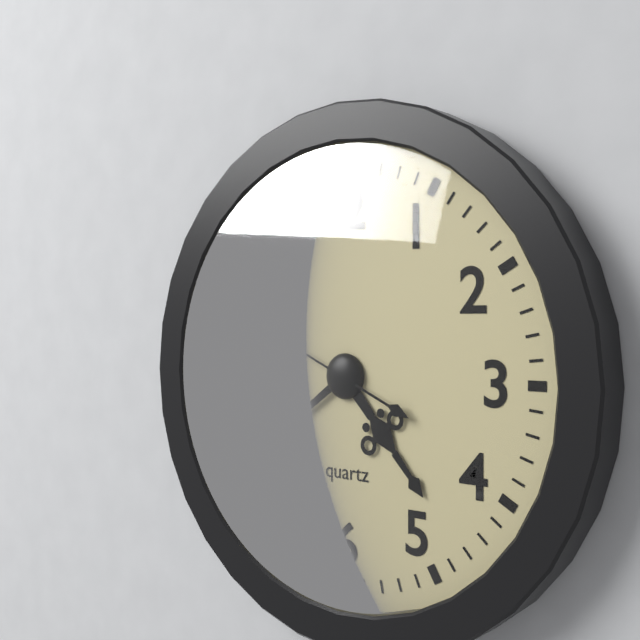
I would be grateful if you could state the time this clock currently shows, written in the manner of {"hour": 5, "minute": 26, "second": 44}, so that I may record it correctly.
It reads {"hour": 4, "minute": 39, "second": 49}
